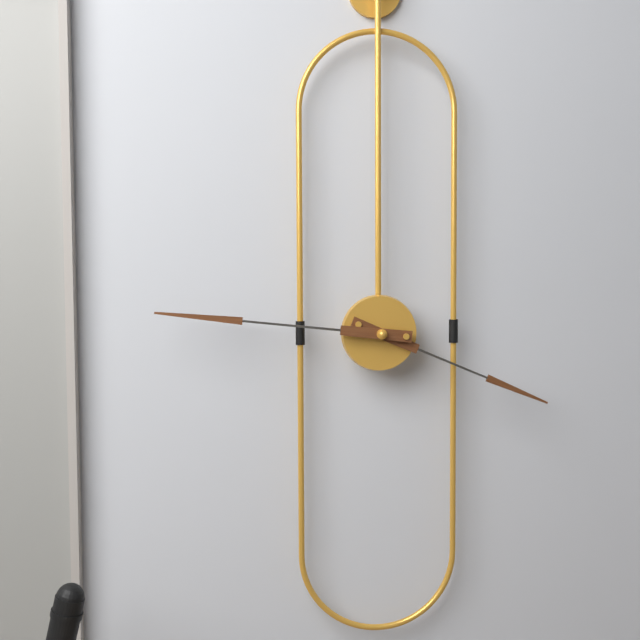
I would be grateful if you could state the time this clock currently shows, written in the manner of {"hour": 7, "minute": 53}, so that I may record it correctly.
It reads {"hour": 3, "minute": 46}
